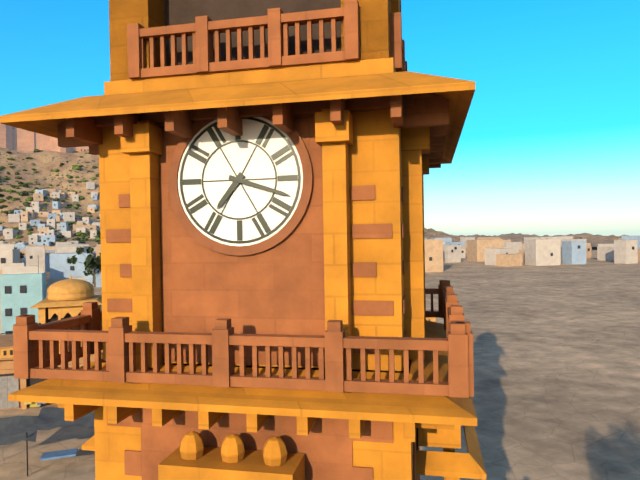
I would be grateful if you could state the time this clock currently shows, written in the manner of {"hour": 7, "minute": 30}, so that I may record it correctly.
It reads {"hour": 7, "minute": 18}
